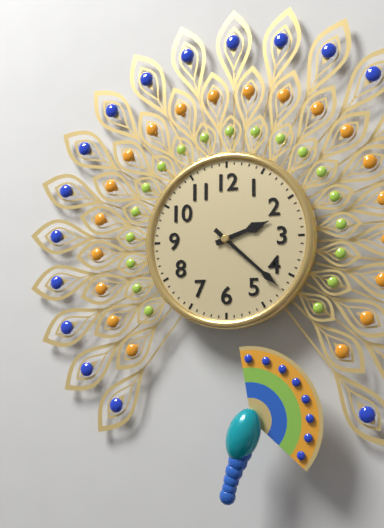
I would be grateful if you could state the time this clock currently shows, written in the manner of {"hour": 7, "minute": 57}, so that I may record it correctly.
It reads {"hour": 2, "minute": 22}
